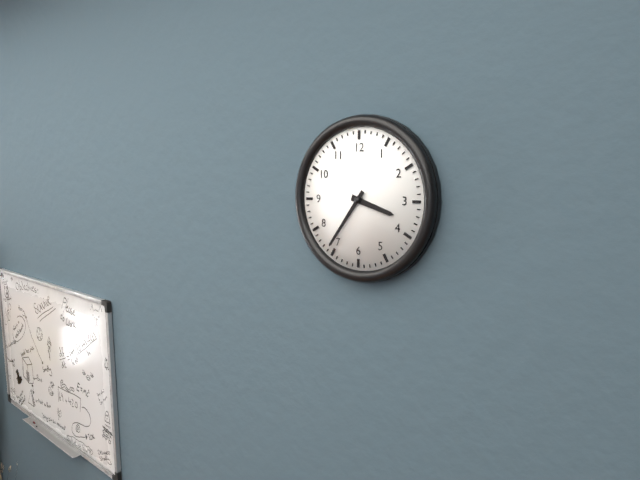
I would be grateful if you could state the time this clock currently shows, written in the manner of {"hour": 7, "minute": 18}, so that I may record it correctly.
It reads {"hour": 3, "minute": 36}
